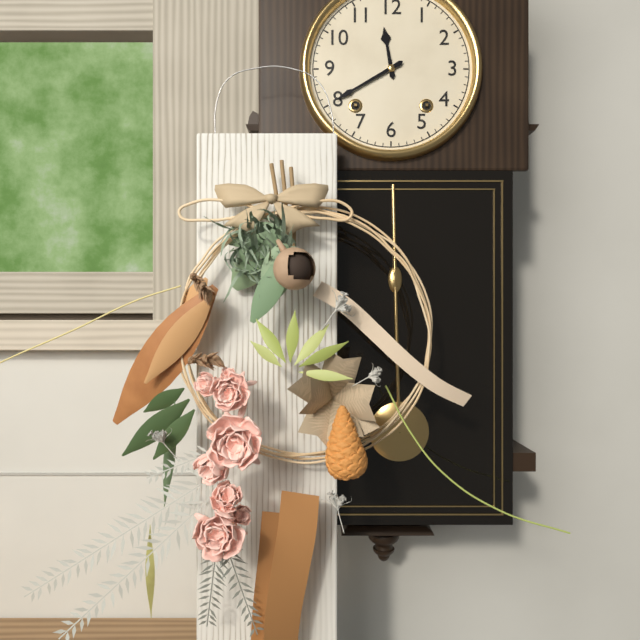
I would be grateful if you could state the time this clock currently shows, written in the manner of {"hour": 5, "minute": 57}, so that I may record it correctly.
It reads {"hour": 11, "minute": 40}
